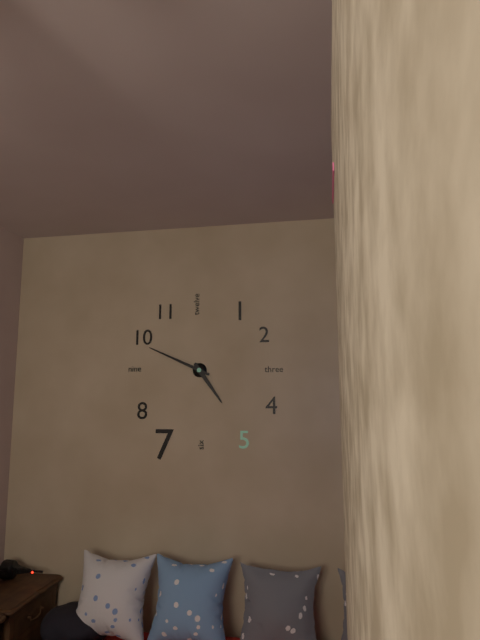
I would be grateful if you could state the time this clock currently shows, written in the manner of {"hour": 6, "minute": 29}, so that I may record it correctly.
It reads {"hour": 4, "minute": 49}
